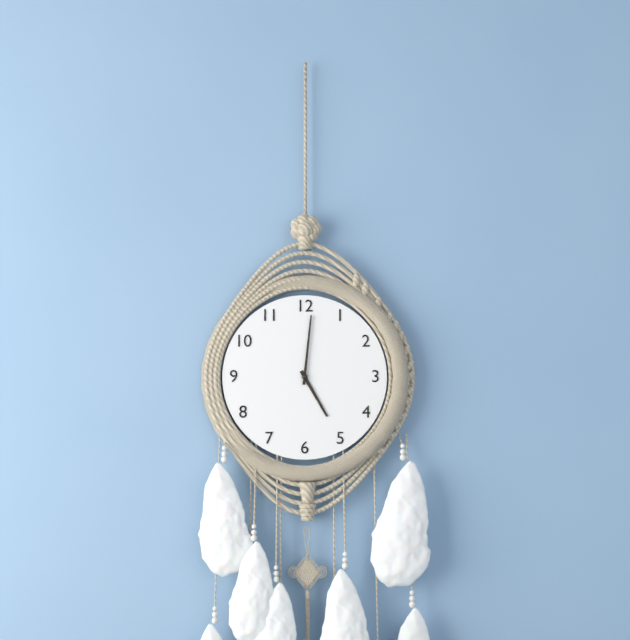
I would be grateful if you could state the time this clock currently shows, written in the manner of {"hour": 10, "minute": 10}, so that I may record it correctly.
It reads {"hour": 5, "minute": 1}
